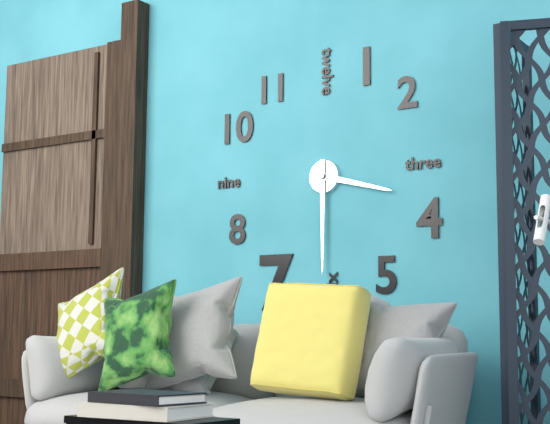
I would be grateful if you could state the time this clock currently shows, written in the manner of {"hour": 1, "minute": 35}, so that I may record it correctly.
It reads {"hour": 3, "minute": 30}
